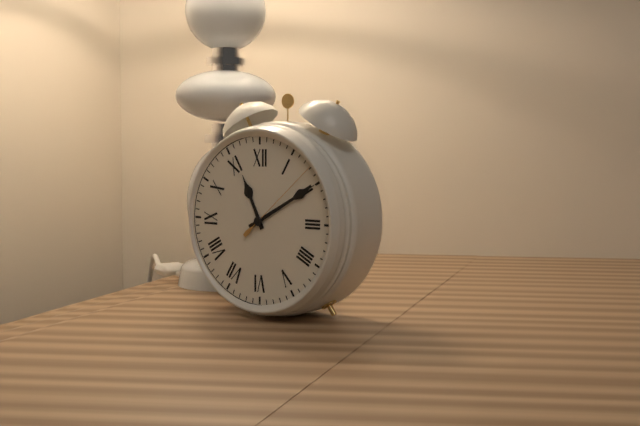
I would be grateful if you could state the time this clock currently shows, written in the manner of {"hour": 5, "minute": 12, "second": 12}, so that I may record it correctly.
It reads {"hour": 11, "minute": 10, "second": 8}
